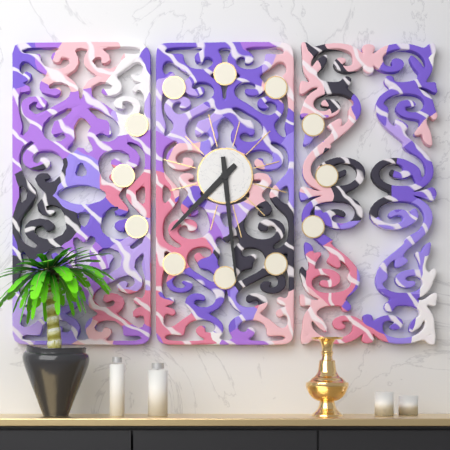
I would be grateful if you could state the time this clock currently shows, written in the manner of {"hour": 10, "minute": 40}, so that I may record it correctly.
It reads {"hour": 7, "minute": 29}
